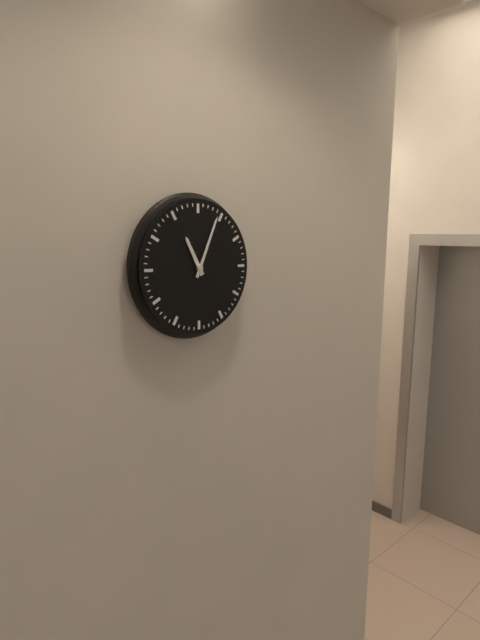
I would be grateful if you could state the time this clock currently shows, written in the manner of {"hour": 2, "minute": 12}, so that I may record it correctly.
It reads {"hour": 11, "minute": 4}
